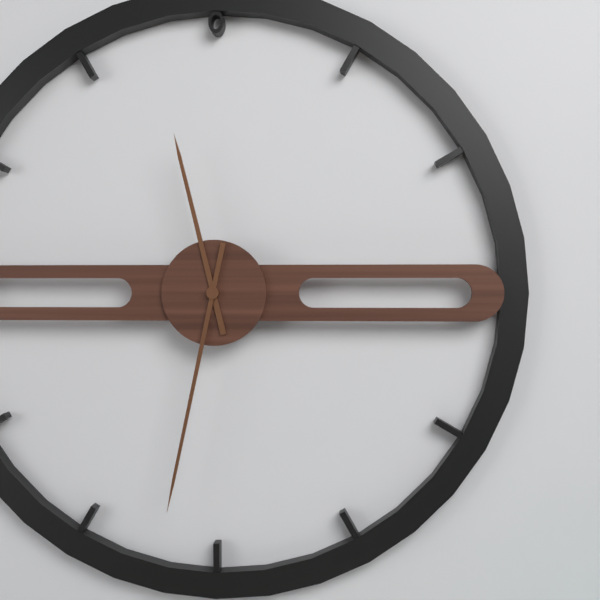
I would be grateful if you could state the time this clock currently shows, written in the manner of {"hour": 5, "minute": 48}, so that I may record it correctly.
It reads {"hour": 11, "minute": 32}
